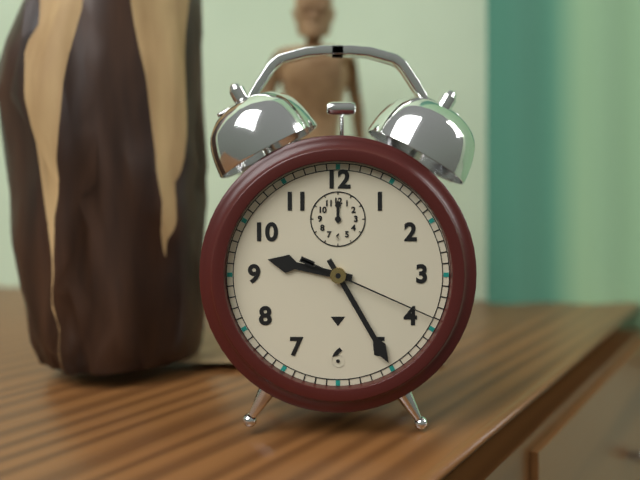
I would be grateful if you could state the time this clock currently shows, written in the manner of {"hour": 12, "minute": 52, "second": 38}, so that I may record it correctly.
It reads {"hour": 9, "minute": 25, "second": 19}
